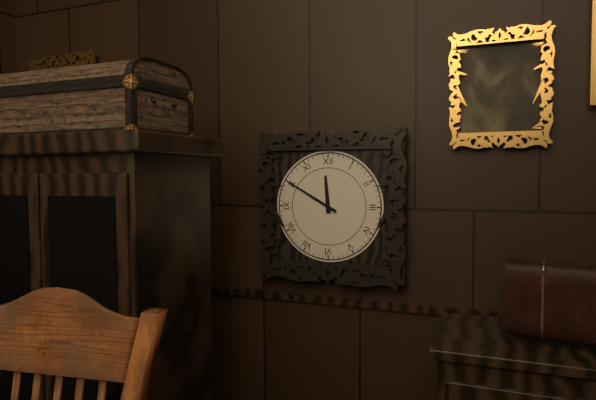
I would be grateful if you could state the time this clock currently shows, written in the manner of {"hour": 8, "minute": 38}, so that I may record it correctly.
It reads {"hour": 11, "minute": 50}
